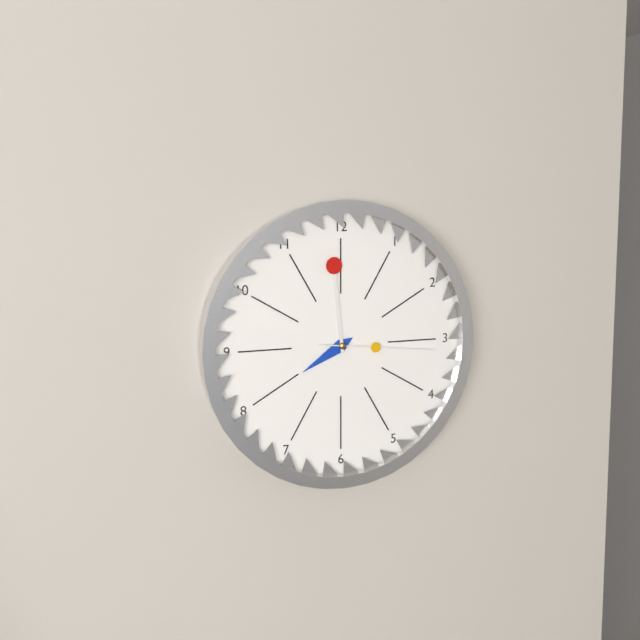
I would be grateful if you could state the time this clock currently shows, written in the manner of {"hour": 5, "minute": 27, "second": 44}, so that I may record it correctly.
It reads {"hour": 7, "minute": 59, "second": 16}
